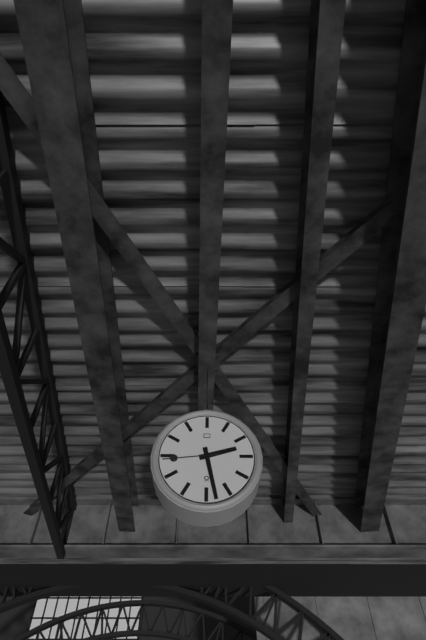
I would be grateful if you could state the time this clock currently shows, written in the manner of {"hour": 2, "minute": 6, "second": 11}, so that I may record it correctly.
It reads {"hour": 2, "minute": 28, "second": 44}
